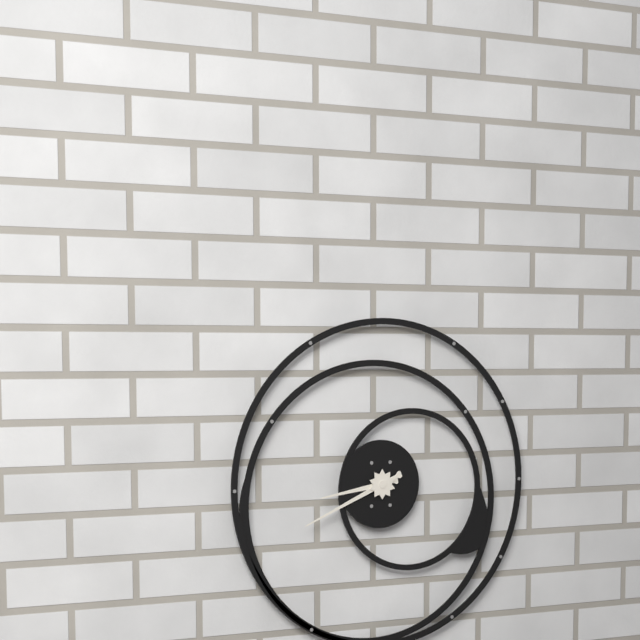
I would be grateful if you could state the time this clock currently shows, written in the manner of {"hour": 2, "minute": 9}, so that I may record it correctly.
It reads {"hour": 8, "minute": 41}
